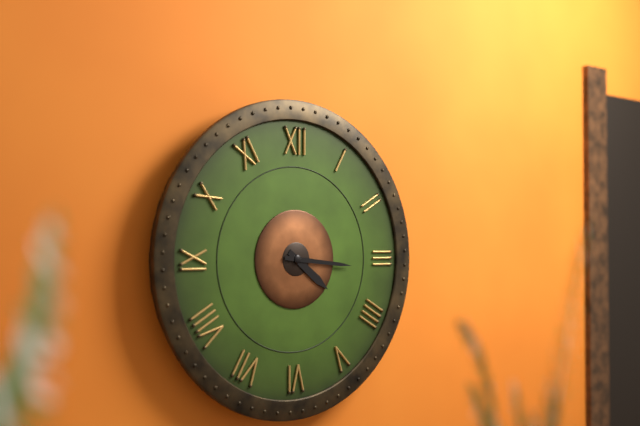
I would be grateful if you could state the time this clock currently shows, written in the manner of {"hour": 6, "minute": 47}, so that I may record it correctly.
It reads {"hour": 4, "minute": 16}
